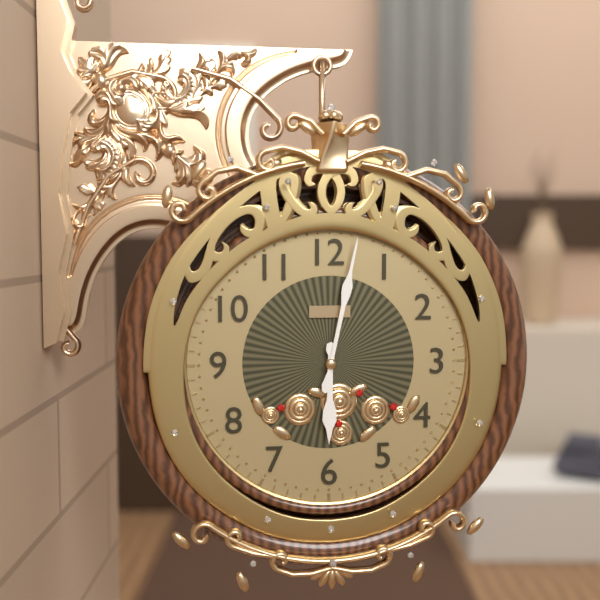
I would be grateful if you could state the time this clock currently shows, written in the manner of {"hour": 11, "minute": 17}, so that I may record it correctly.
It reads {"hour": 6, "minute": 2}
